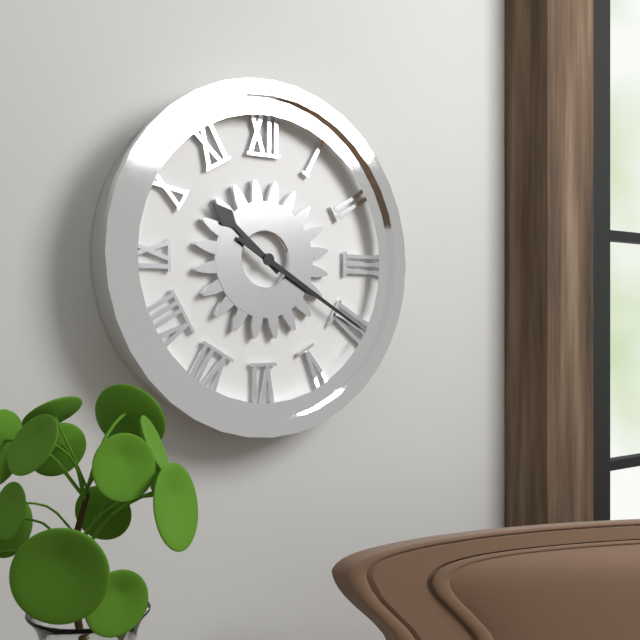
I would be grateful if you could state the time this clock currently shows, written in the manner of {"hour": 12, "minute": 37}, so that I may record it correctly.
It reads {"hour": 10, "minute": 20}
